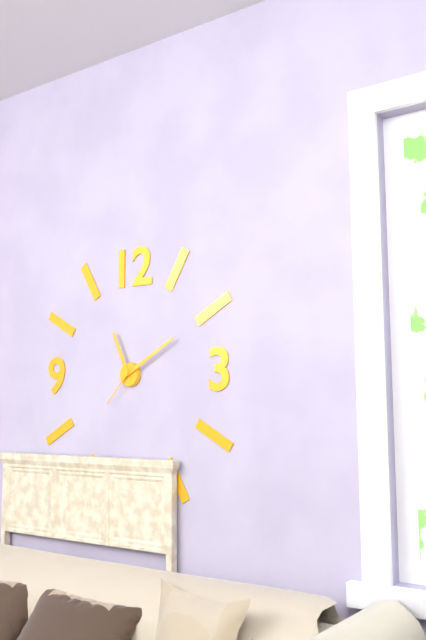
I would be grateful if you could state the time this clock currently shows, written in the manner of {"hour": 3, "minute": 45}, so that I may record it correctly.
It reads {"hour": 11, "minute": 10}
